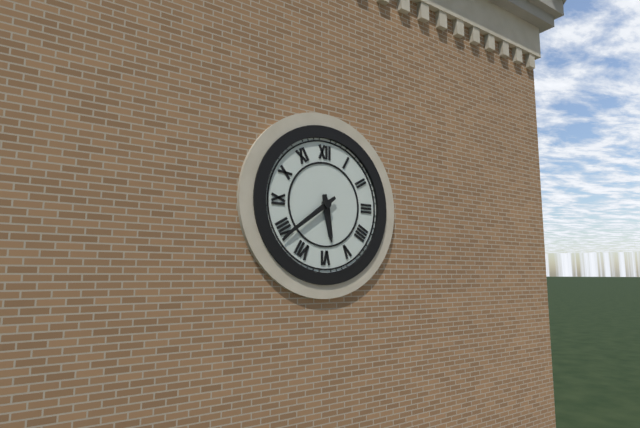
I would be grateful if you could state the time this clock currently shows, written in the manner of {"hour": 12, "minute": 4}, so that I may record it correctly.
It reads {"hour": 5, "minute": 39}
